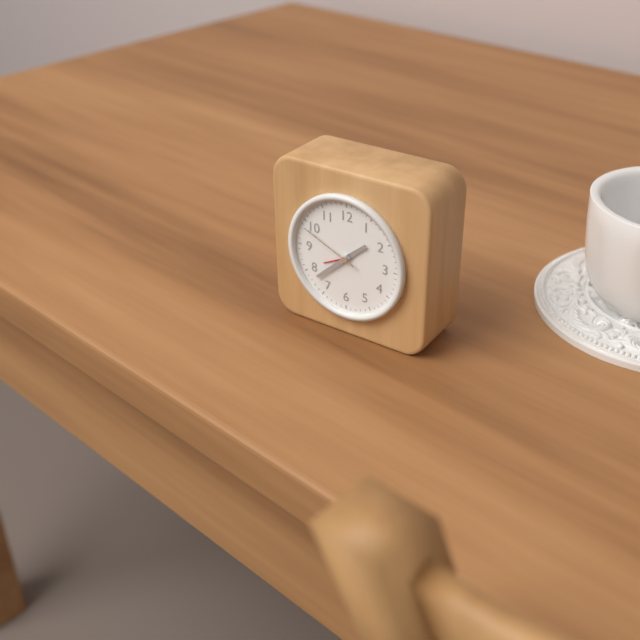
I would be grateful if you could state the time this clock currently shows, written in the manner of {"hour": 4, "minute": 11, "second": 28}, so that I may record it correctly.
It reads {"hour": 1, "minute": 38, "second": 49}
